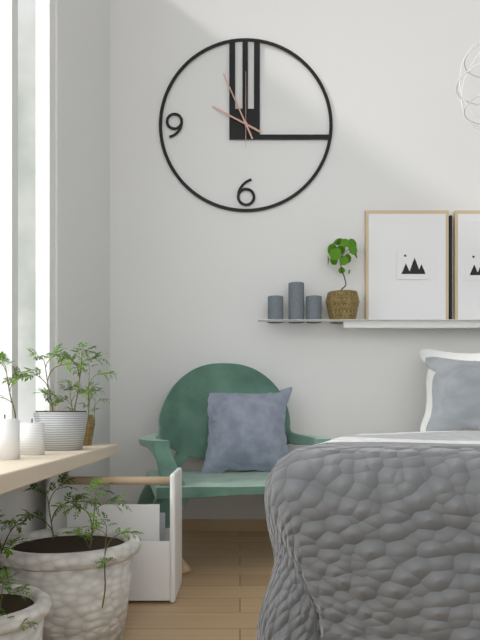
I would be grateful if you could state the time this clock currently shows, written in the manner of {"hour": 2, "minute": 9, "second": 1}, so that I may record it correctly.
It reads {"hour": 9, "minute": 56, "second": 0}
